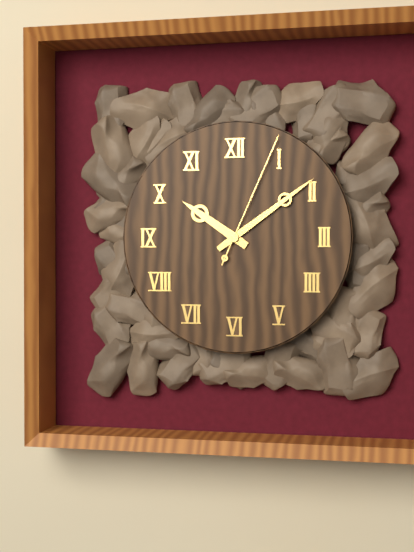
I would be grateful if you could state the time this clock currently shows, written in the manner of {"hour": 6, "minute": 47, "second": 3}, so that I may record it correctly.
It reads {"hour": 10, "minute": 9, "second": 4}
